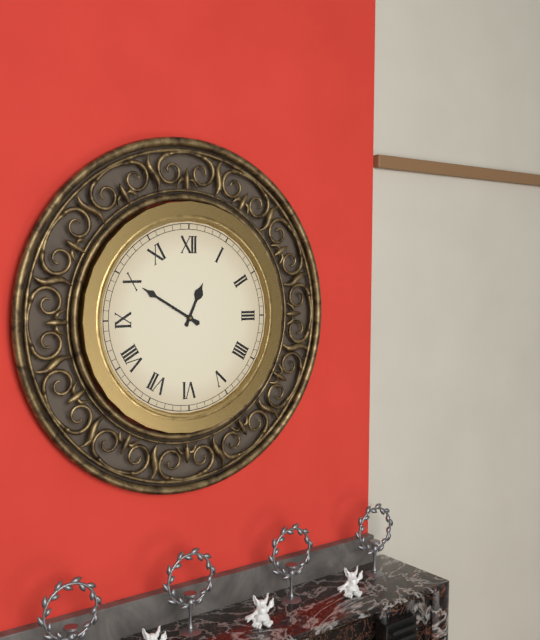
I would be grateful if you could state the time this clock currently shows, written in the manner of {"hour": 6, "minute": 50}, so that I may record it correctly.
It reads {"hour": 12, "minute": 50}
